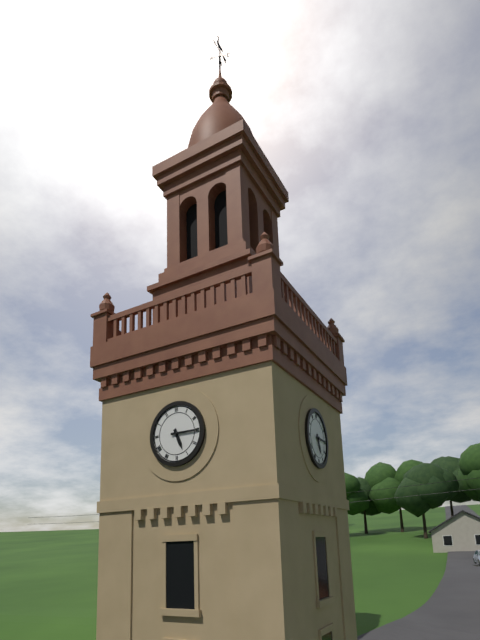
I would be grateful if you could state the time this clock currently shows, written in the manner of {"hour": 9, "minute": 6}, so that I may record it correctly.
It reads {"hour": 5, "minute": 15}
